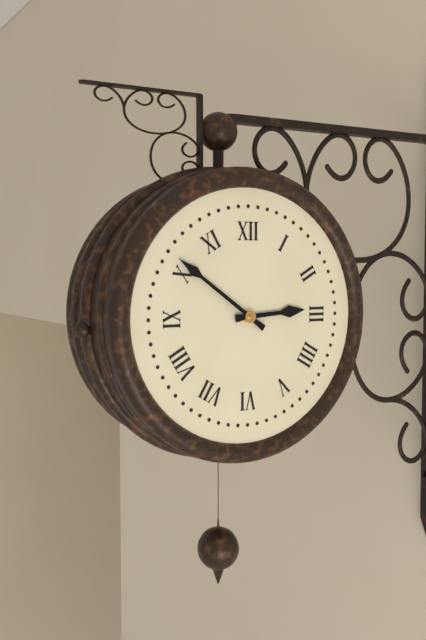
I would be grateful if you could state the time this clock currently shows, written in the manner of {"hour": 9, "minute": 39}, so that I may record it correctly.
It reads {"hour": 2, "minute": 51}
